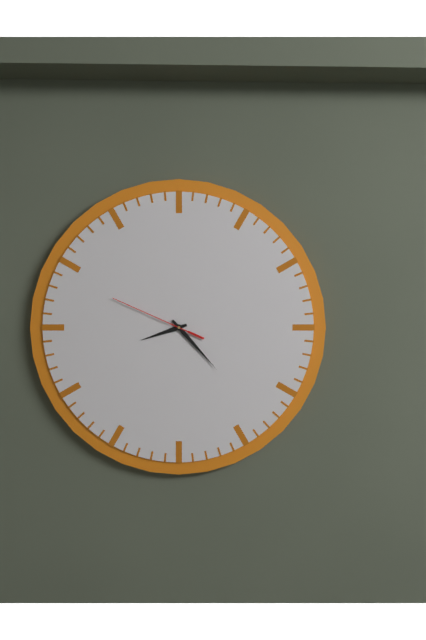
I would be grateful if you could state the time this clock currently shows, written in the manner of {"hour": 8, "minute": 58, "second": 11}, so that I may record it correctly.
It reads {"hour": 8, "minute": 23, "second": 49}
